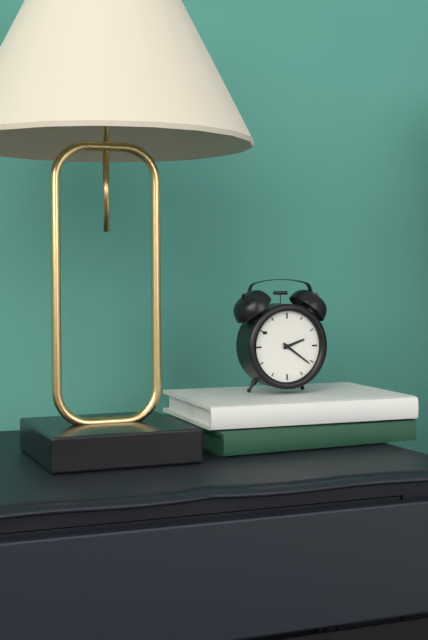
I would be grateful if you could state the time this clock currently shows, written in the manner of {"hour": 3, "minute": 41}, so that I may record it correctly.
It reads {"hour": 2, "minute": 21}
